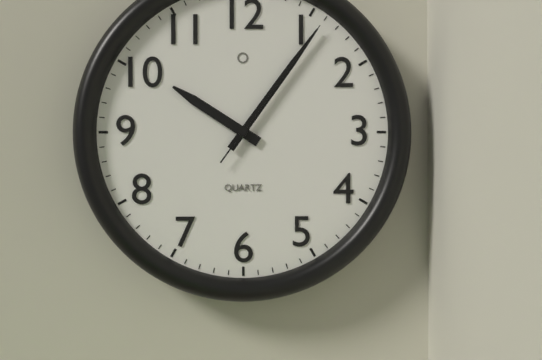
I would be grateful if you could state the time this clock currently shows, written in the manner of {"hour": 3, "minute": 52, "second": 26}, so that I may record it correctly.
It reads {"hour": 10, "minute": 6, "second": 6}
